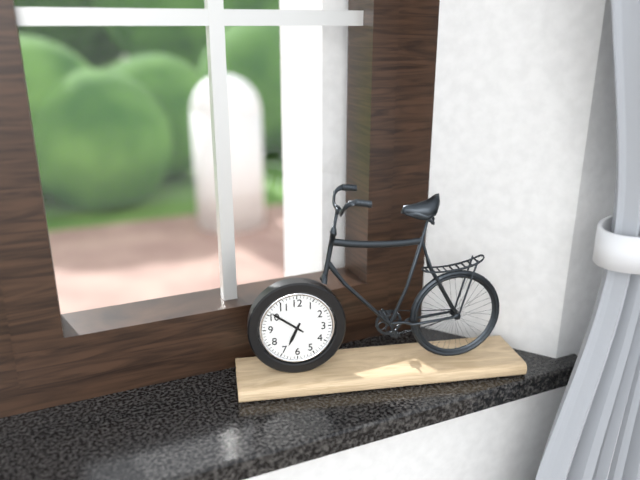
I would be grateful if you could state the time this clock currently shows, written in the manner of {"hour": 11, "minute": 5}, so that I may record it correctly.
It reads {"hour": 6, "minute": 51}
